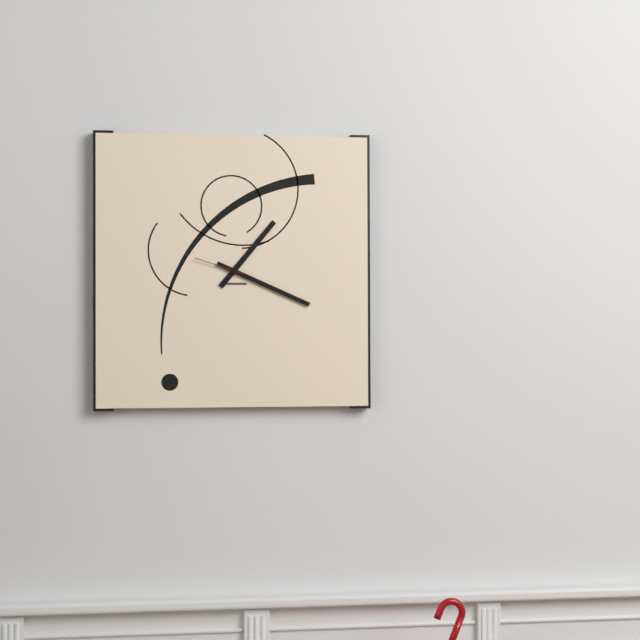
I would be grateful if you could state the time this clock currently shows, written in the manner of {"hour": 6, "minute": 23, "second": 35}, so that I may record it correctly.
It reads {"hour": 1, "minute": 19, "second": 48}
